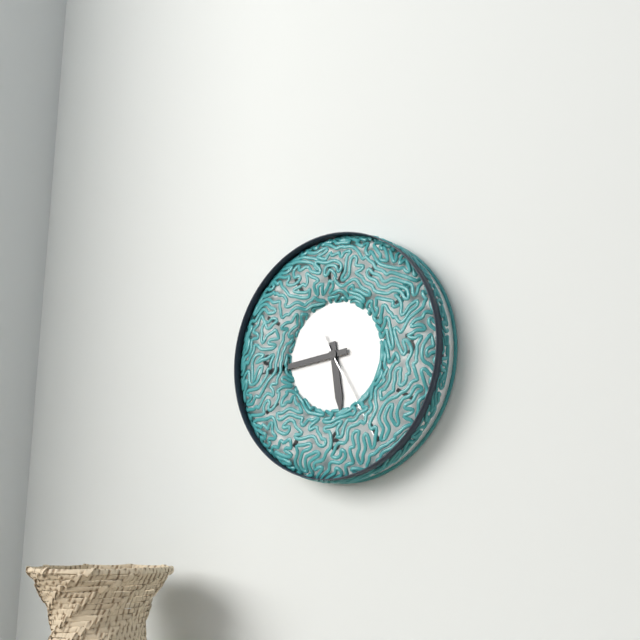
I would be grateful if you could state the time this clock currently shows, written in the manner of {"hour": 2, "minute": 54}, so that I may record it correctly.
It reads {"hour": 5, "minute": 44}
